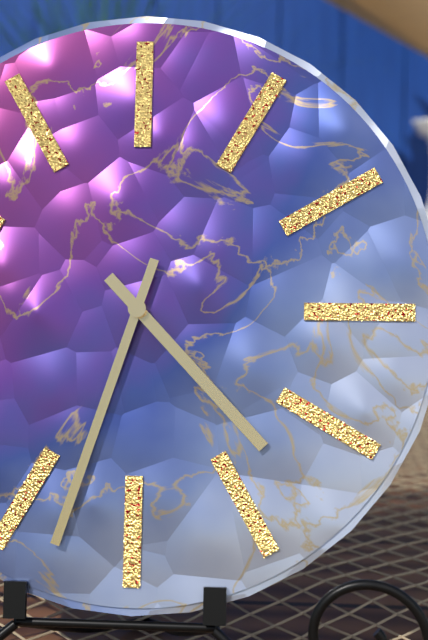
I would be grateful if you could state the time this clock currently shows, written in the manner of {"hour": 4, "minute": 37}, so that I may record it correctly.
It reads {"hour": 4, "minute": 33}
